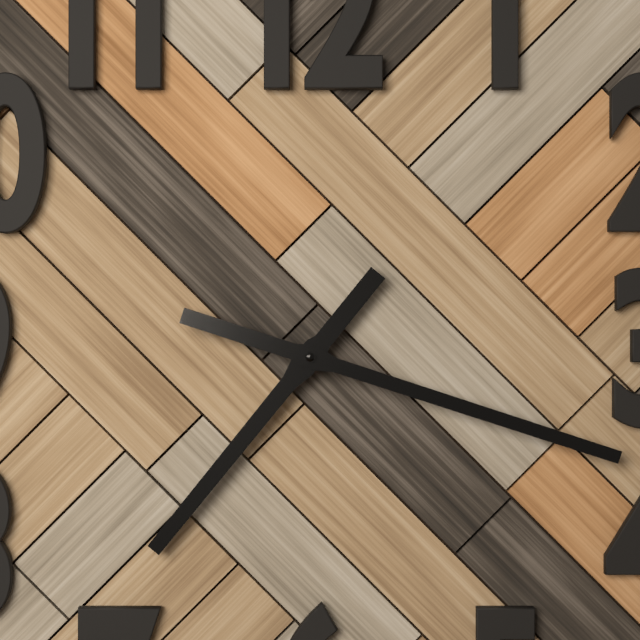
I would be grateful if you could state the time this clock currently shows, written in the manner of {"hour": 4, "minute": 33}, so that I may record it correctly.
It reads {"hour": 7, "minute": 18}
